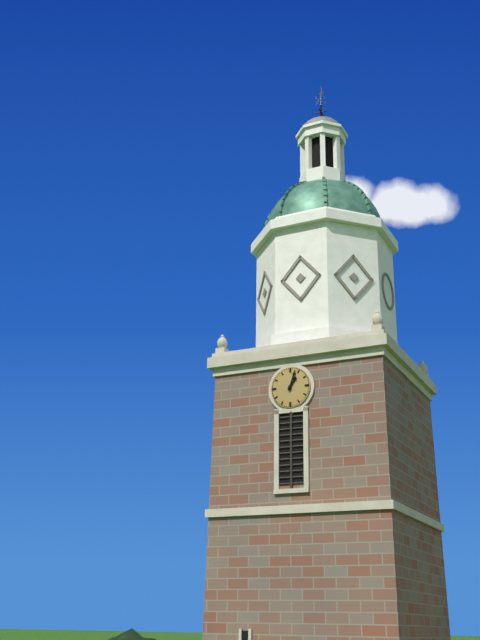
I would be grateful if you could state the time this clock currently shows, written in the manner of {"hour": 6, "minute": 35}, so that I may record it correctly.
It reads {"hour": 1, "minute": 3}
